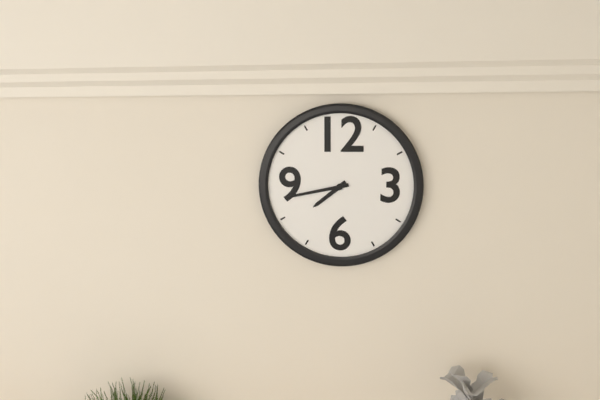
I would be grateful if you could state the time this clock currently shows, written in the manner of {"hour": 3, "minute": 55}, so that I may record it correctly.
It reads {"hour": 7, "minute": 43}
